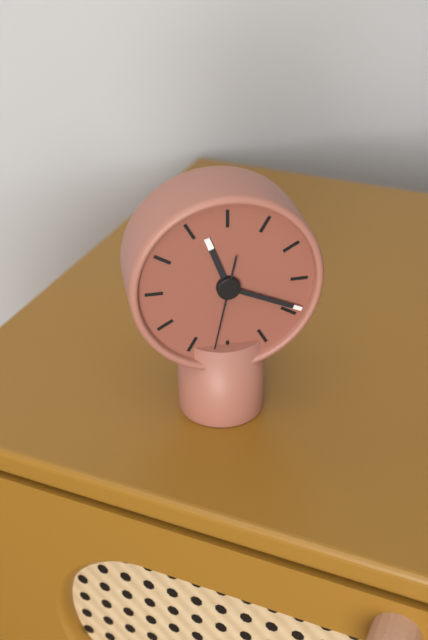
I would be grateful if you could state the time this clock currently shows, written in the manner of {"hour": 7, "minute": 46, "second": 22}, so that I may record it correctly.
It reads {"hour": 11, "minute": 19, "second": 32}
